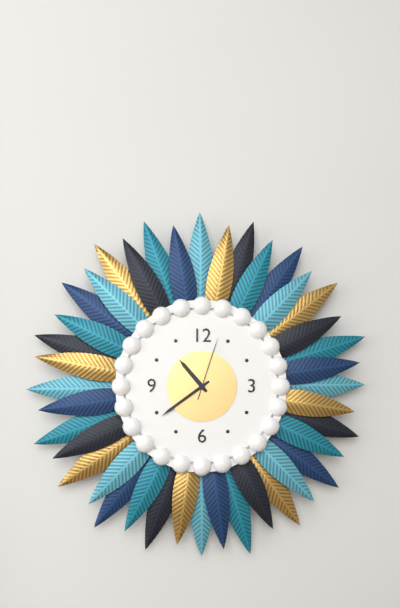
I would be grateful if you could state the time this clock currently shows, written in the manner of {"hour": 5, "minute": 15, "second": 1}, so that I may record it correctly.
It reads {"hour": 10, "minute": 39, "second": 3}
